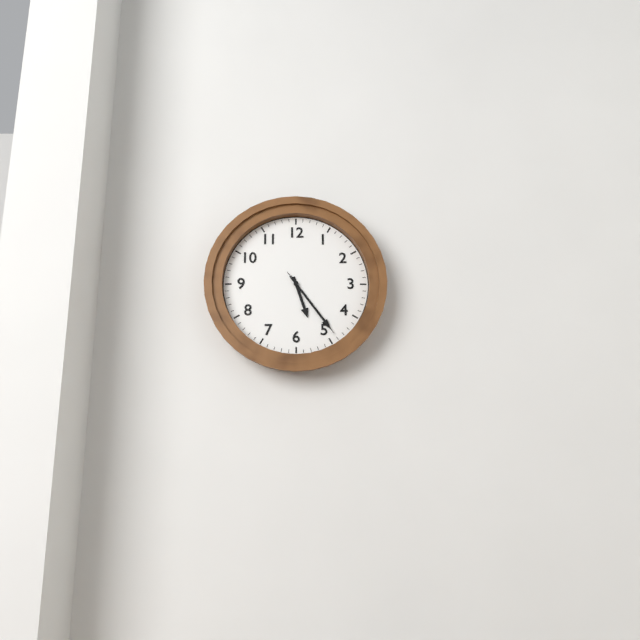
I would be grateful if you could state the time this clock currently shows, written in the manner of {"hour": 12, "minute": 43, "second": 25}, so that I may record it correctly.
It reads {"hour": 5, "minute": 24, "second": 24}
